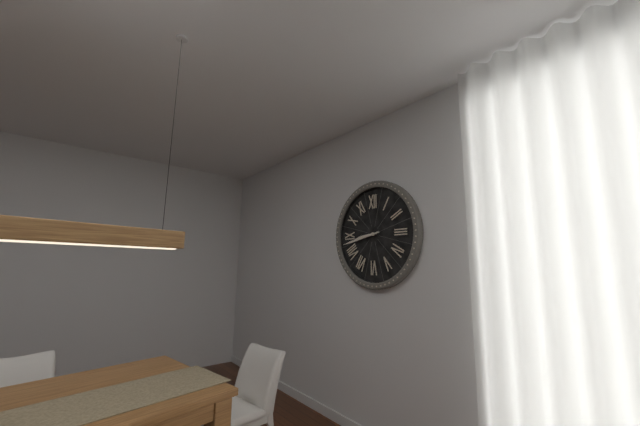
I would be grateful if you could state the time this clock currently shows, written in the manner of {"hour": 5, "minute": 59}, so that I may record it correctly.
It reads {"hour": 8, "minute": 43}
